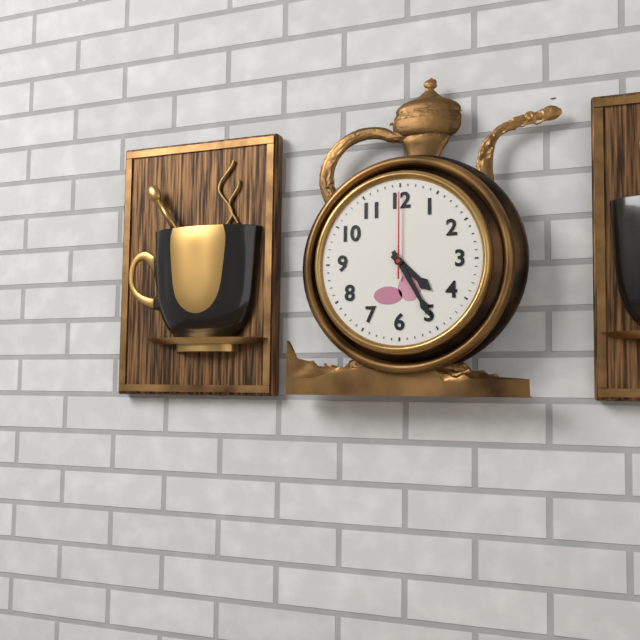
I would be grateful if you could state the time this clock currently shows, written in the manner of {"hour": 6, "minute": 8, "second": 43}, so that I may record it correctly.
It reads {"hour": 4, "minute": 25, "second": 0}
